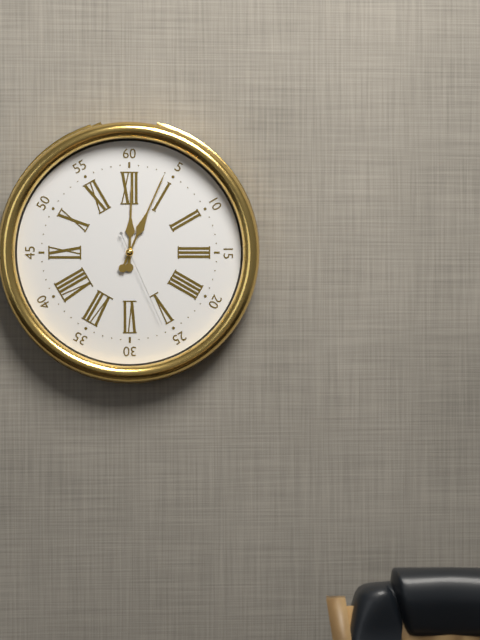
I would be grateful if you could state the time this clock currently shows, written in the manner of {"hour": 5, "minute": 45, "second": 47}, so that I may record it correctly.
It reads {"hour": 12, "minute": 4, "second": 26}
